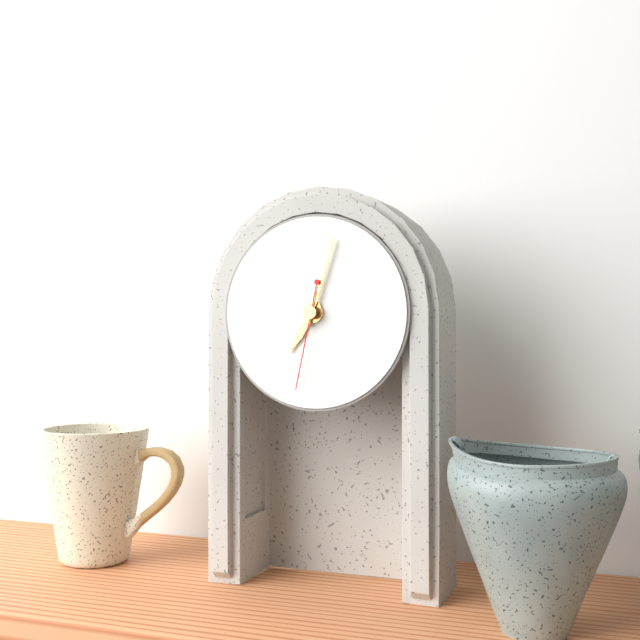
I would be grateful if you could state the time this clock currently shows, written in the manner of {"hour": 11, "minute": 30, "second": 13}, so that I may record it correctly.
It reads {"hour": 7, "minute": 3, "second": 32}
